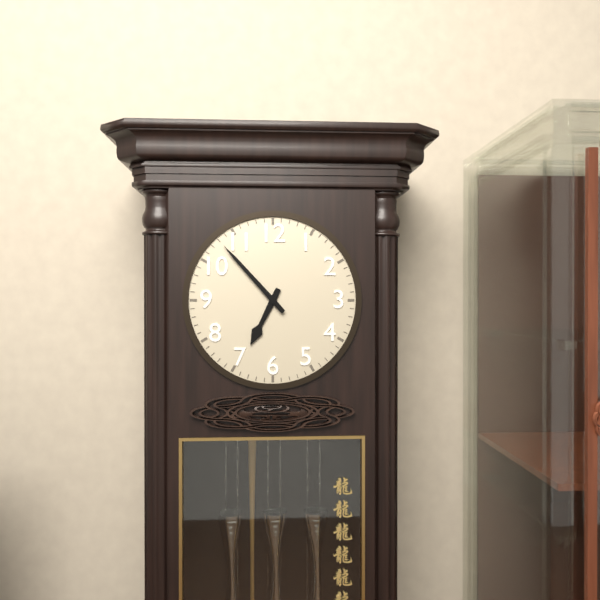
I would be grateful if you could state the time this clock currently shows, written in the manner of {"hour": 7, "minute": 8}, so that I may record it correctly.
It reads {"hour": 6, "minute": 53}
